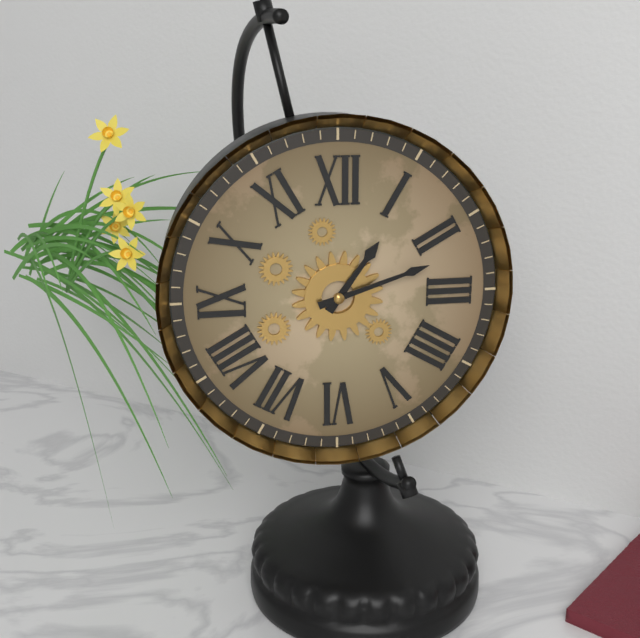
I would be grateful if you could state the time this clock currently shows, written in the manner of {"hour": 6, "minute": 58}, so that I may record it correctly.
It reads {"hour": 1, "minute": 12}
